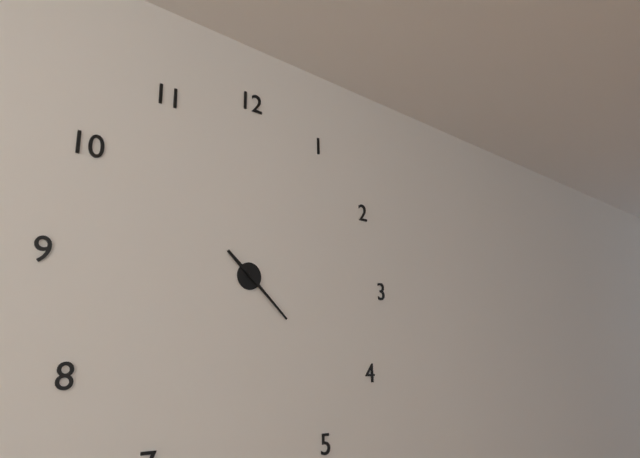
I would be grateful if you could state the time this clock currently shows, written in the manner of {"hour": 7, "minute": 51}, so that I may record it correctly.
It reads {"hour": 10, "minute": 22}
